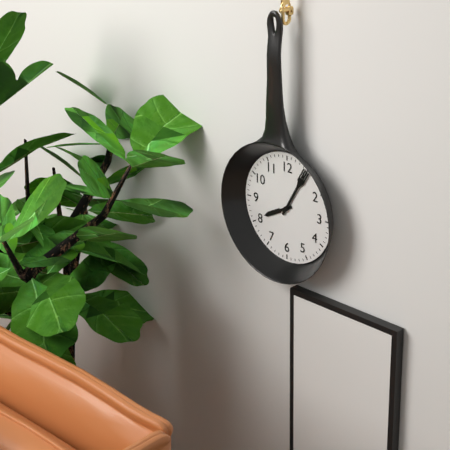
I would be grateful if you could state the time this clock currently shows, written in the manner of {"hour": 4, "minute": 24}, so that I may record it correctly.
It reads {"hour": 8, "minute": 5}
